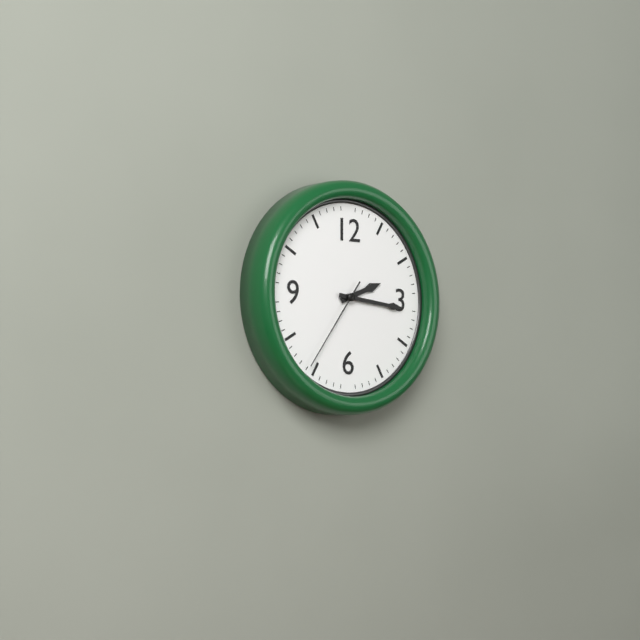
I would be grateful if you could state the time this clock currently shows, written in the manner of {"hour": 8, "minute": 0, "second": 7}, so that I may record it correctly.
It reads {"hour": 2, "minute": 16, "second": 36}
